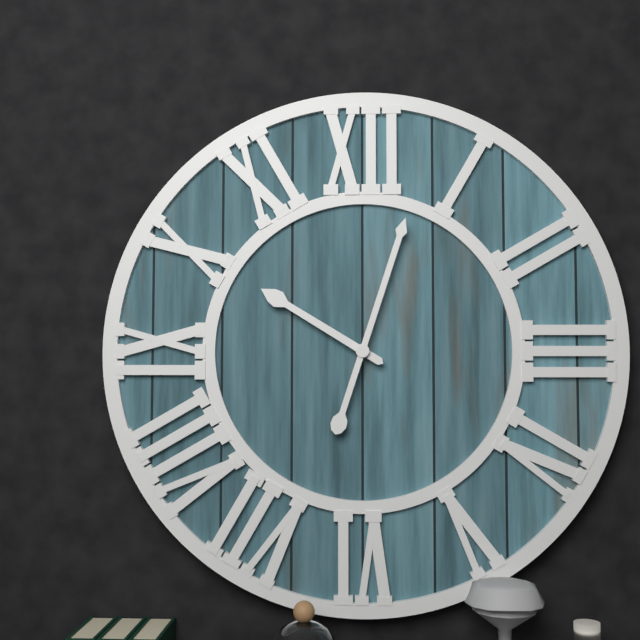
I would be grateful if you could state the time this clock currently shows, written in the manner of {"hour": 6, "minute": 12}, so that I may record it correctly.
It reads {"hour": 10, "minute": 3}
